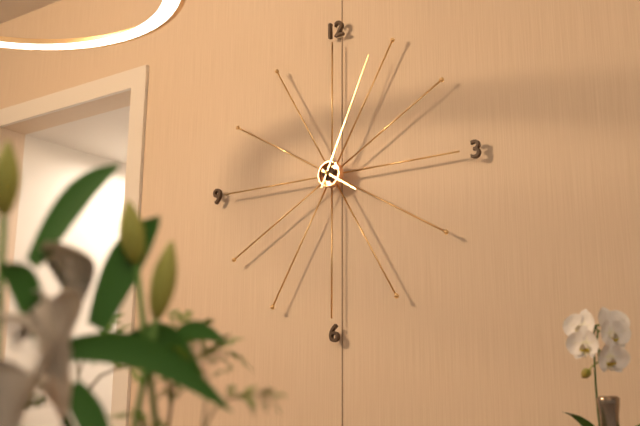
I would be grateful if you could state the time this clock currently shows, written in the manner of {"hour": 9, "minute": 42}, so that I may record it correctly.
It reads {"hour": 4, "minute": 4}
